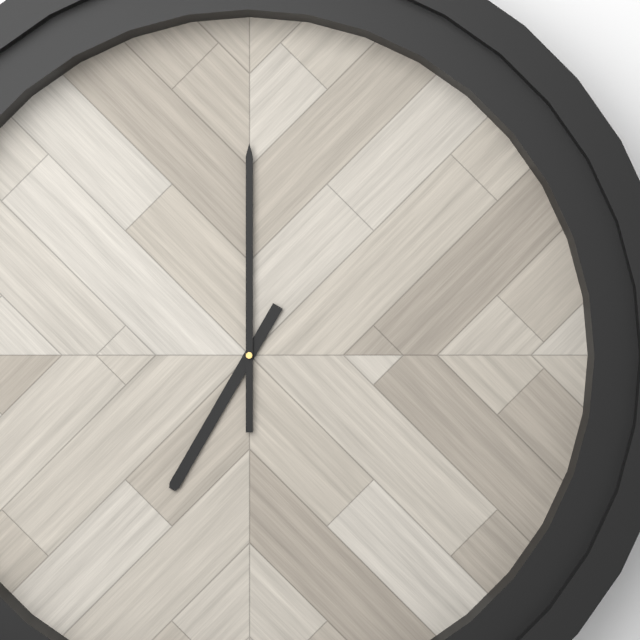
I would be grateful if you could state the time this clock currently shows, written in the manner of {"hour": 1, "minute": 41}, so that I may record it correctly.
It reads {"hour": 7, "minute": 0}
